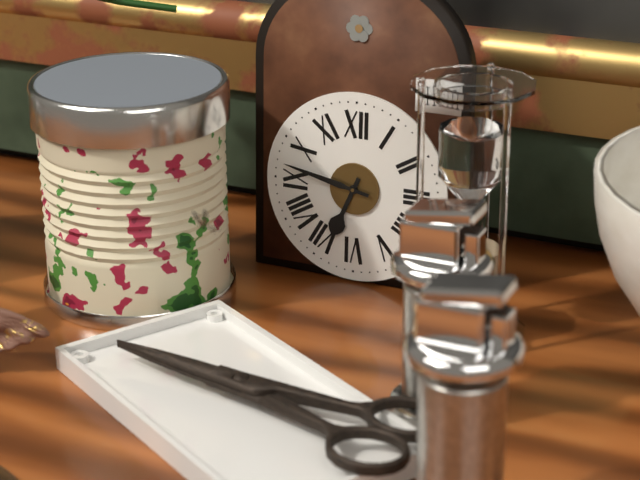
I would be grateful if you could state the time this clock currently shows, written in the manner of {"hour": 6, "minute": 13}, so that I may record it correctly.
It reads {"hour": 6, "minute": 47}
